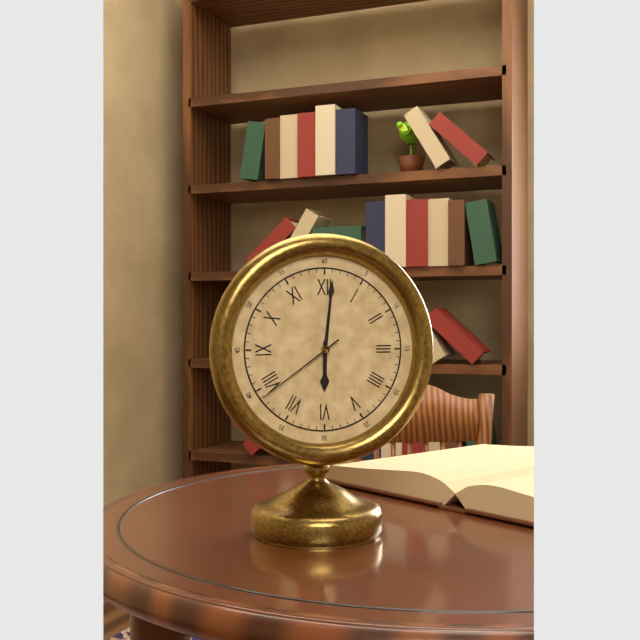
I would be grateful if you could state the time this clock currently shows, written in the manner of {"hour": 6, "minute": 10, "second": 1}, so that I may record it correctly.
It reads {"hour": 6, "minute": 1, "second": 39}
